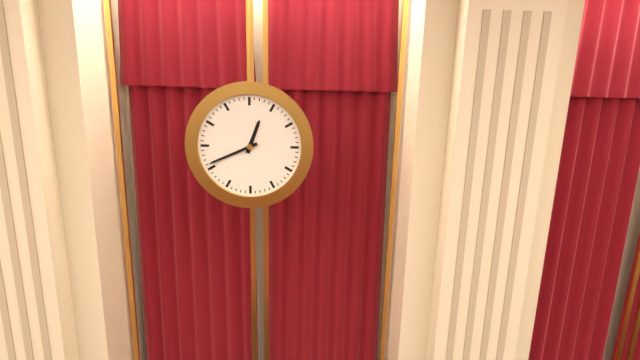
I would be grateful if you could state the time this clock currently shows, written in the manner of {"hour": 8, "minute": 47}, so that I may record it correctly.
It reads {"hour": 12, "minute": 41}
